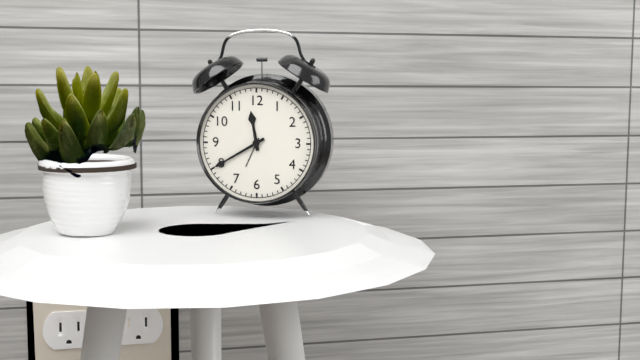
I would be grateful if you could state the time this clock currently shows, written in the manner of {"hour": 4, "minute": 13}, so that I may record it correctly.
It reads {"hour": 11, "minute": 40}
